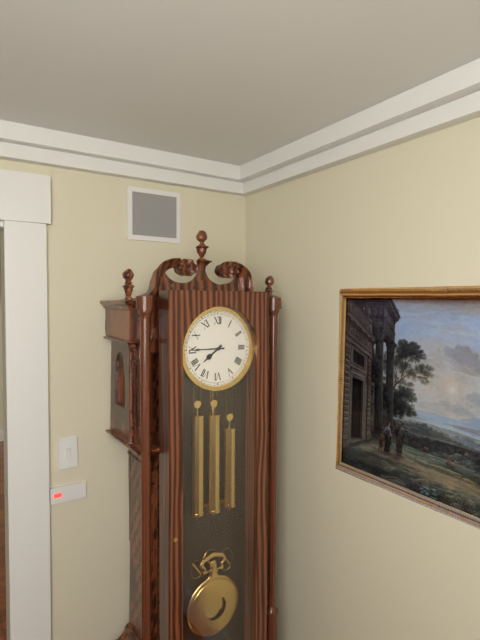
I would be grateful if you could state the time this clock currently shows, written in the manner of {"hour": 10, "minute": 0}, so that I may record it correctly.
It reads {"hour": 7, "minute": 45}
